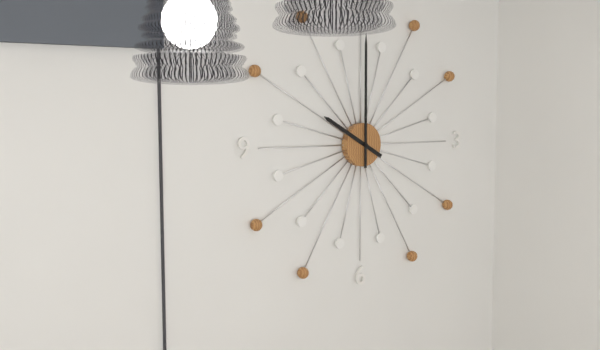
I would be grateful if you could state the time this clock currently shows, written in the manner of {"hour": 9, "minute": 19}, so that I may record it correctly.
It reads {"hour": 10, "minute": 0}
